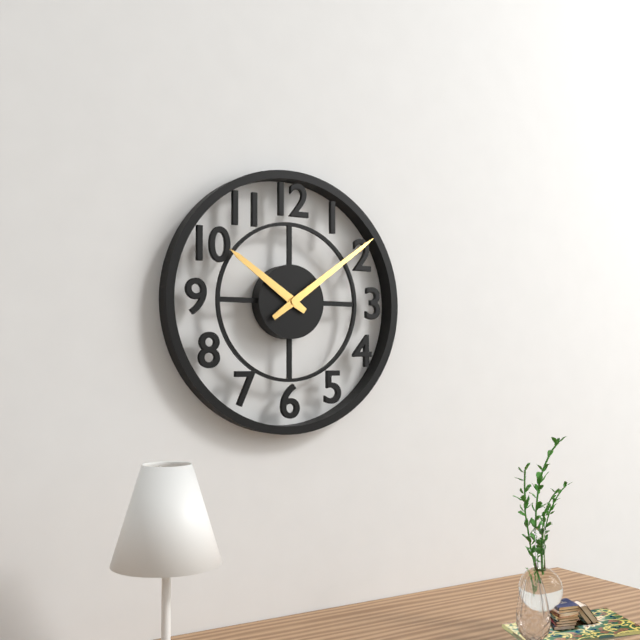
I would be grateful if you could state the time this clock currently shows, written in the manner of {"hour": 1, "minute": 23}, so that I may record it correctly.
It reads {"hour": 10, "minute": 9}
